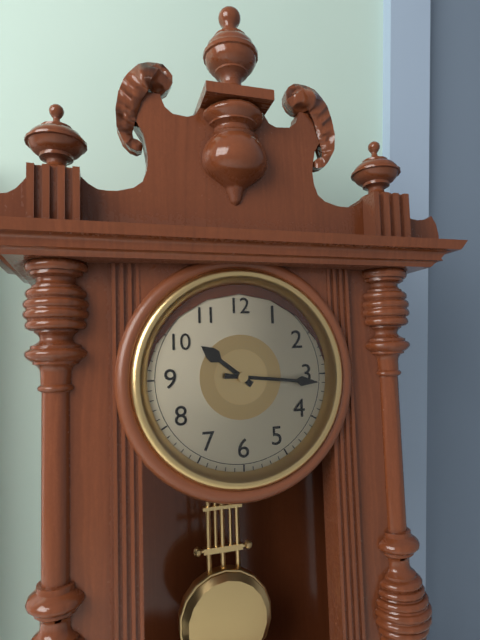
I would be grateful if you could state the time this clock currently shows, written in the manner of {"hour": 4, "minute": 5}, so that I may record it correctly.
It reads {"hour": 10, "minute": 16}
